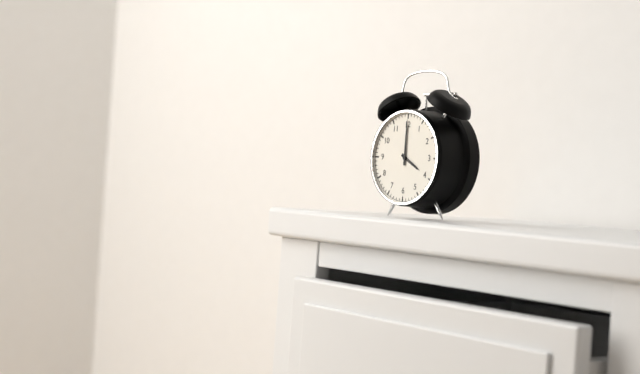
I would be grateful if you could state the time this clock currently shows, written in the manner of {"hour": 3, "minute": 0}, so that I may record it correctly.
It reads {"hour": 4, "minute": 0}
